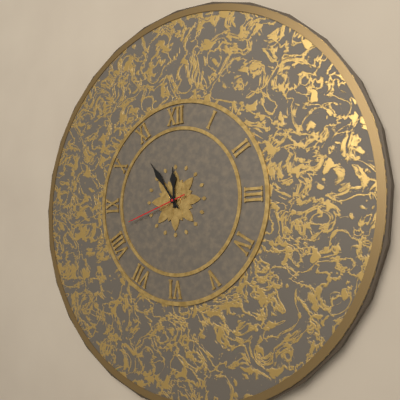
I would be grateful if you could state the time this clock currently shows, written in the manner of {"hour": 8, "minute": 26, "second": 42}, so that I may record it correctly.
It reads {"hour": 11, "minute": 54, "second": 42}
